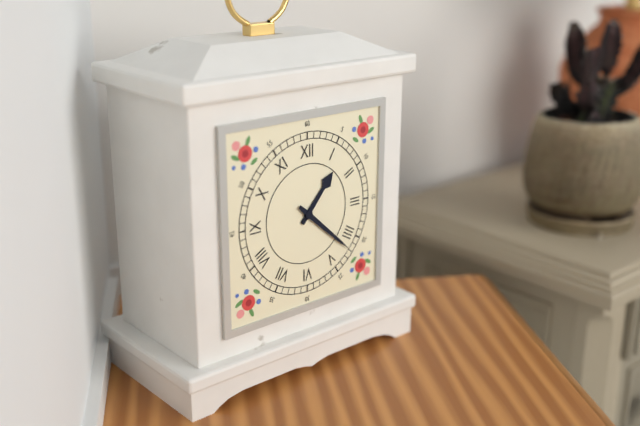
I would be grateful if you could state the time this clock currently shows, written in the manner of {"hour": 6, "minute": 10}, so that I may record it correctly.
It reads {"hour": 1, "minute": 22}
